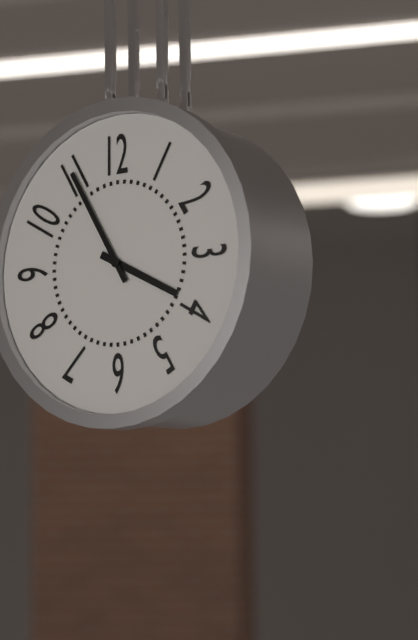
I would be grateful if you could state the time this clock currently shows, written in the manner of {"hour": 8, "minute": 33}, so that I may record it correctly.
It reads {"hour": 3, "minute": 55}
